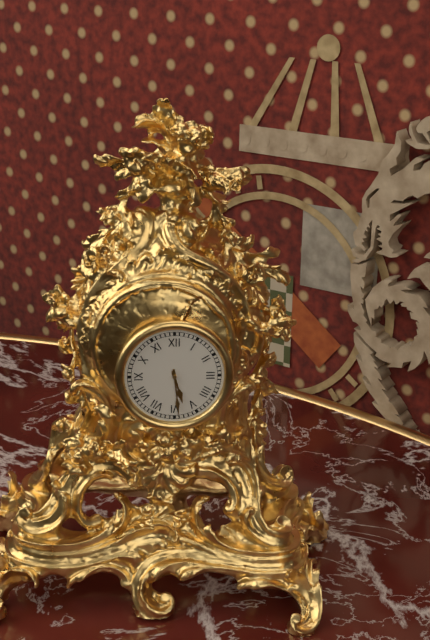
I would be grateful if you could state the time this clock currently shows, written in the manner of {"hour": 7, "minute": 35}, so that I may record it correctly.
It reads {"hour": 5, "minute": 29}
